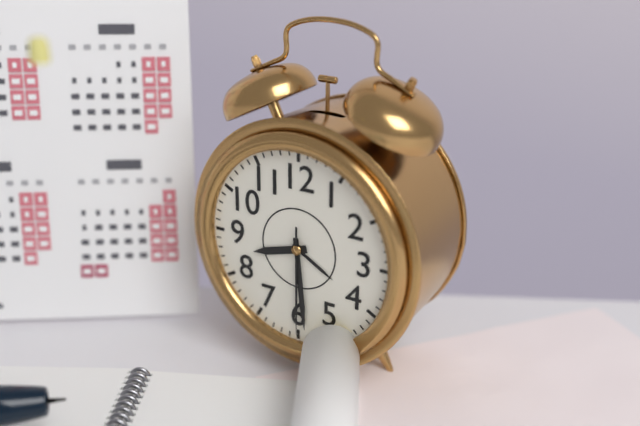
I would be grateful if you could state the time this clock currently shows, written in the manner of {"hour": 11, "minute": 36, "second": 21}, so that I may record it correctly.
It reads {"hour": 8, "minute": 29, "second": 30}
